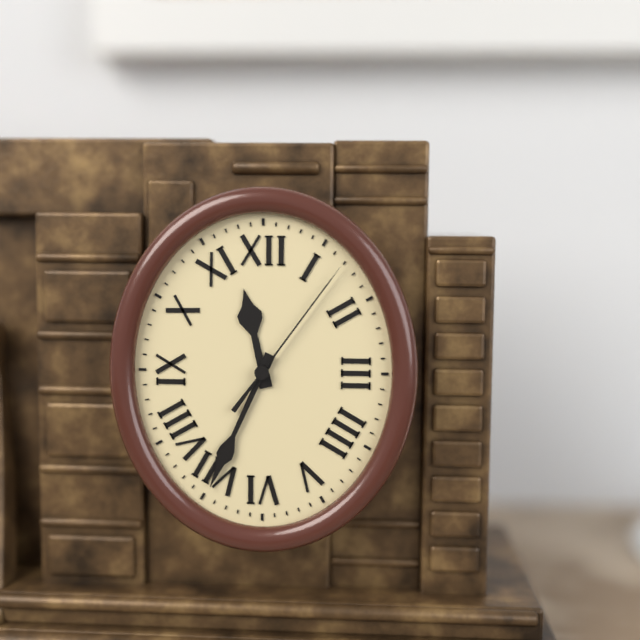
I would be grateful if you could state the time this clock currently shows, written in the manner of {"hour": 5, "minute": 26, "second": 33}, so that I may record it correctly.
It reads {"hour": 11, "minute": 34, "second": 6}
